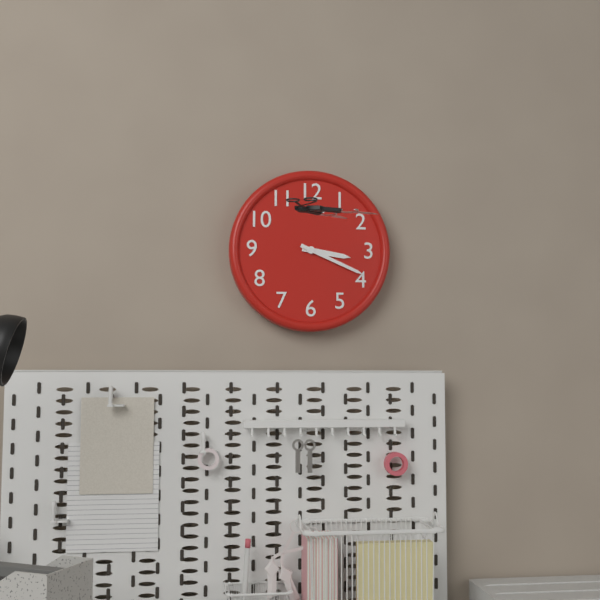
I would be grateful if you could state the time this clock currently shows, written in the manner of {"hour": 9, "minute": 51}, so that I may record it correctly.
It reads {"hour": 3, "minute": 19}
